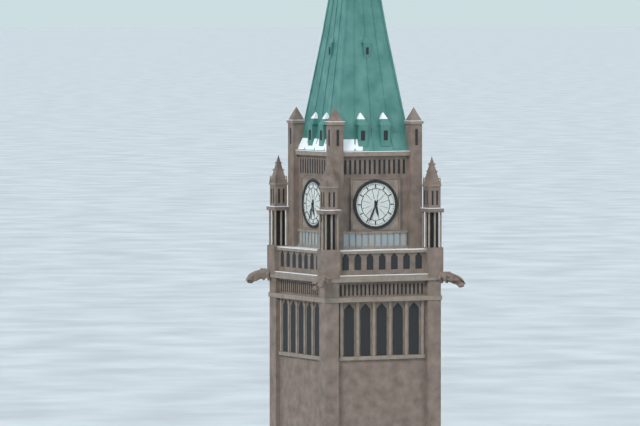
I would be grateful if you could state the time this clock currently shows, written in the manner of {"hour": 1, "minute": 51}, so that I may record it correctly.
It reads {"hour": 5, "minute": 34}
